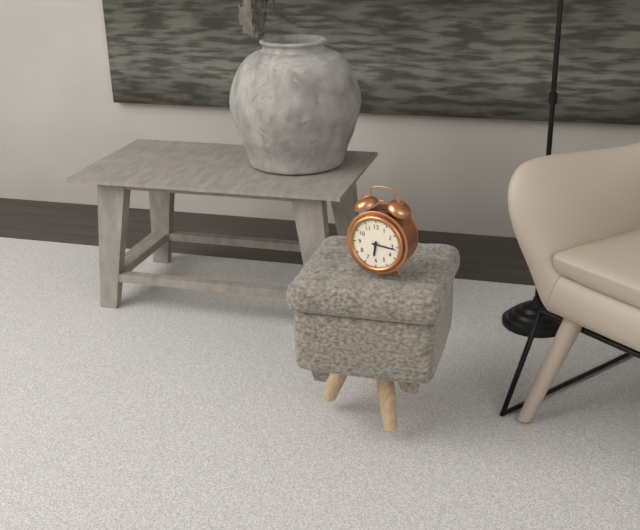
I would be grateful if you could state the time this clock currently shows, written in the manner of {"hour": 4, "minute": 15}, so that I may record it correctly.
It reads {"hour": 6, "minute": 16}
